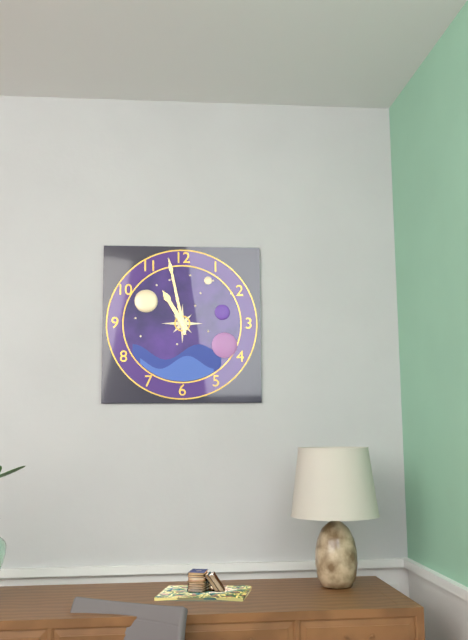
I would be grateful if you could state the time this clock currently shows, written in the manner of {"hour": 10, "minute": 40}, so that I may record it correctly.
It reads {"hour": 10, "minute": 58}
